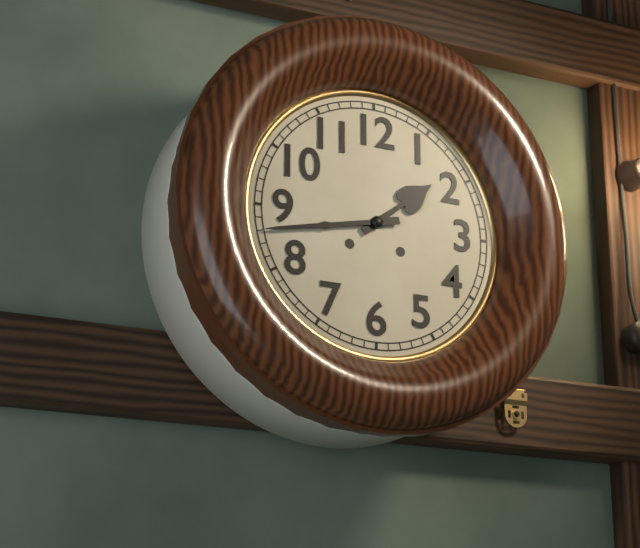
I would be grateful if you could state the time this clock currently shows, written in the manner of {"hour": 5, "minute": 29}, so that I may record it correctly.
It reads {"hour": 1, "minute": 43}
